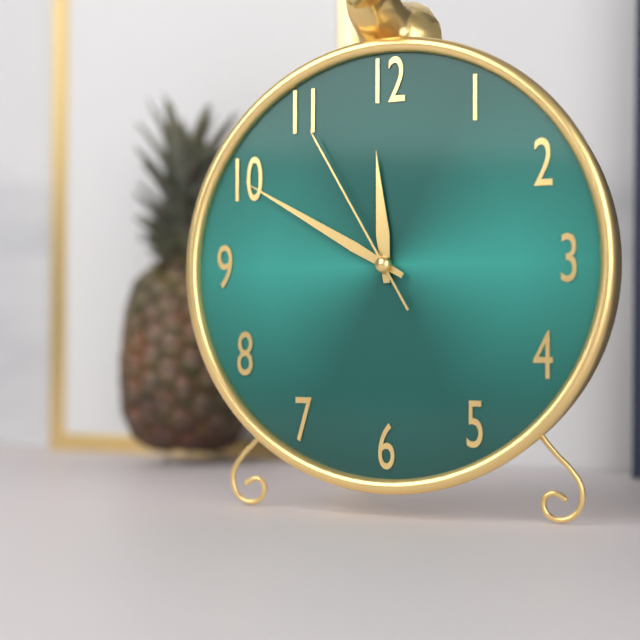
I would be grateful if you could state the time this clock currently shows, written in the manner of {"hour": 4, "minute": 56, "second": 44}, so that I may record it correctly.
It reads {"hour": 11, "minute": 50, "second": 55}
